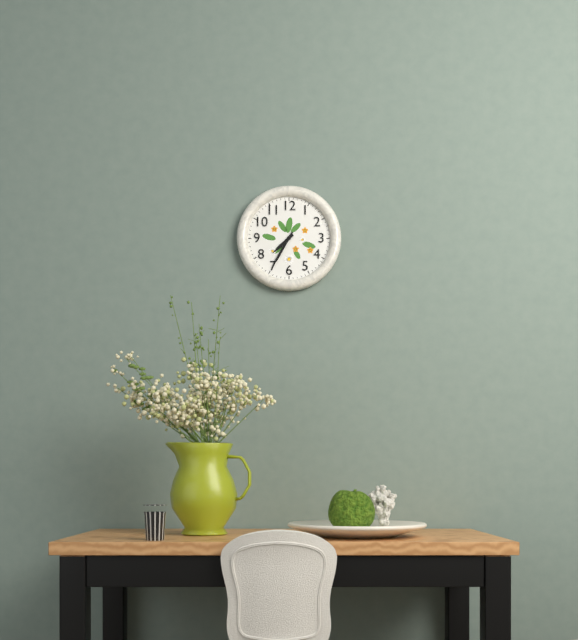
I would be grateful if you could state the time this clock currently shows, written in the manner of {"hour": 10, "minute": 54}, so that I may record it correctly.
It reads {"hour": 7, "minute": 35}
